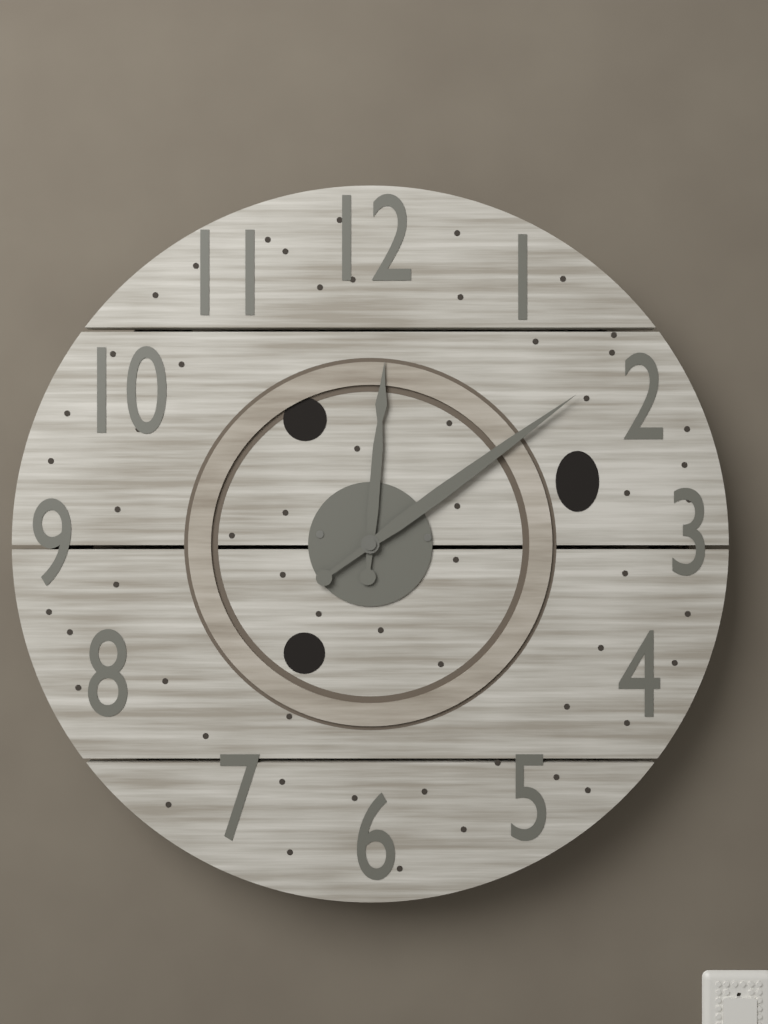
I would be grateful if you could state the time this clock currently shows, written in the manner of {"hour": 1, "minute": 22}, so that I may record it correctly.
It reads {"hour": 12, "minute": 9}
